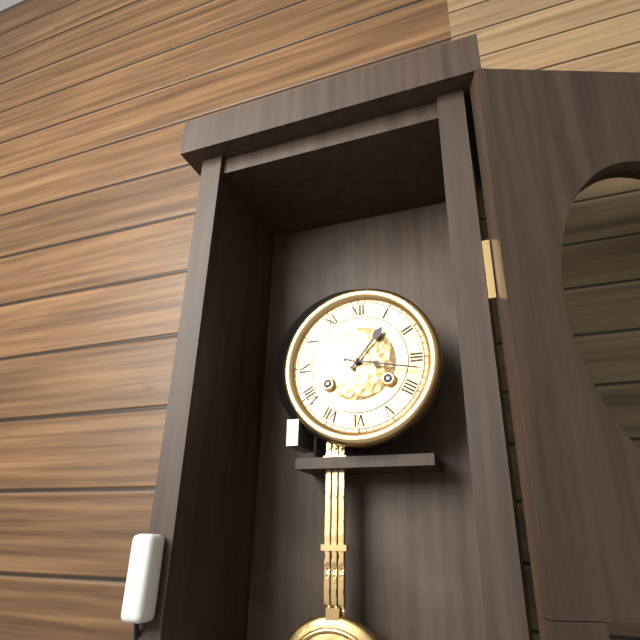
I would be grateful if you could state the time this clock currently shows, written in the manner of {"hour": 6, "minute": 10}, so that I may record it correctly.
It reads {"hour": 1, "minute": 17}
